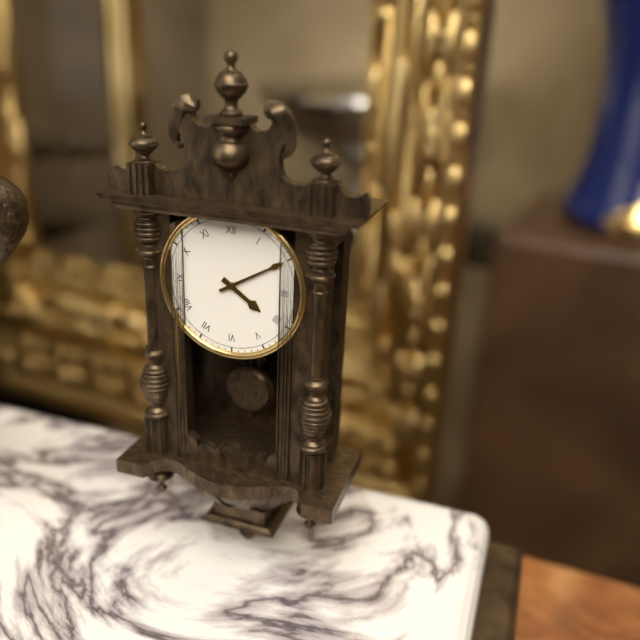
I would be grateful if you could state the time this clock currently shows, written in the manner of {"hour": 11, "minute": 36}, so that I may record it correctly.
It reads {"hour": 4, "minute": 10}
